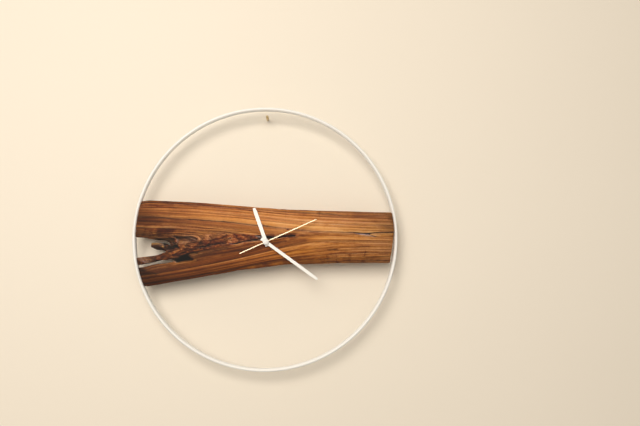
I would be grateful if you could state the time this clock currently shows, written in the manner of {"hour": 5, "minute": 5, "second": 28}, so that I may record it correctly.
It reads {"hour": 11, "minute": 21, "second": 11}
